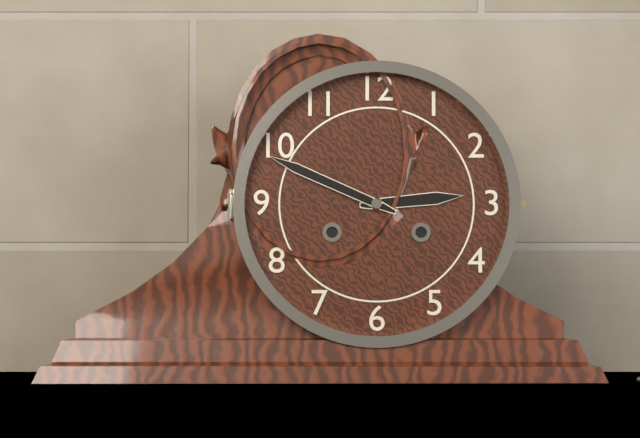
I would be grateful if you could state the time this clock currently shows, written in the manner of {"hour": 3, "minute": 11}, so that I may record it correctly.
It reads {"hour": 2, "minute": 49}
